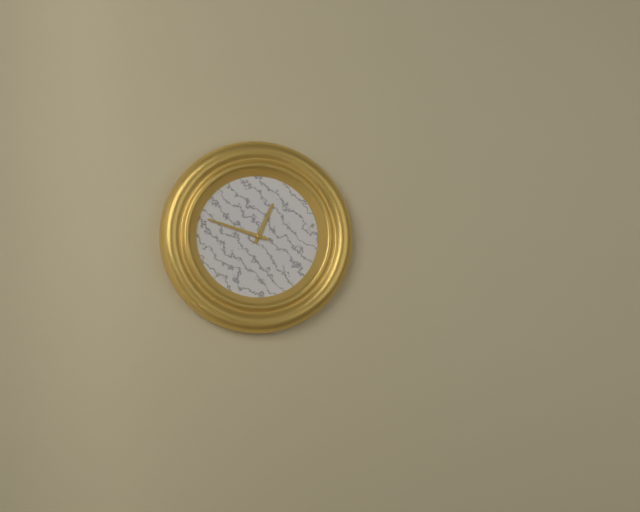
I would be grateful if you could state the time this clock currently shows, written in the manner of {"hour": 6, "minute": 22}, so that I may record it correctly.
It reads {"hour": 12, "minute": 48}
